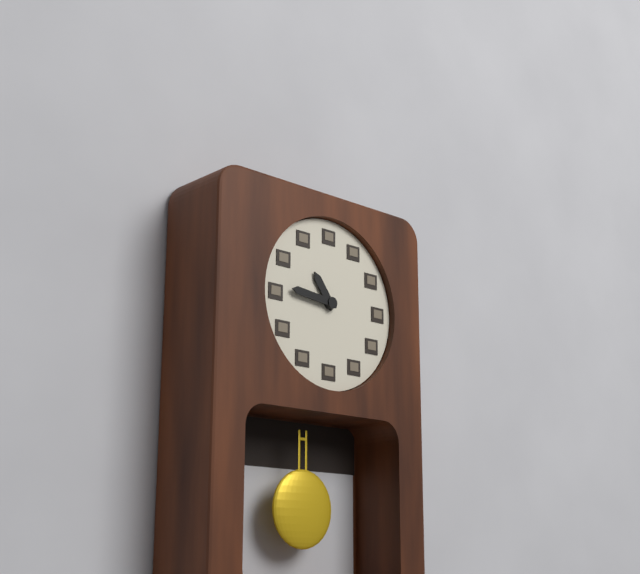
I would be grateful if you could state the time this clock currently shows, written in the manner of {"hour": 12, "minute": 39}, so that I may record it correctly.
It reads {"hour": 10, "minute": 46}
